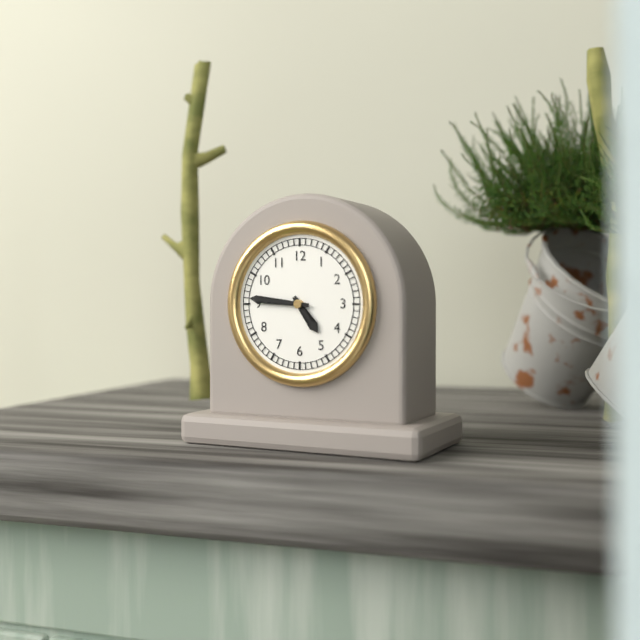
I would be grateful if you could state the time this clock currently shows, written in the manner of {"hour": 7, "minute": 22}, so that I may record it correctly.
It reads {"hour": 4, "minute": 46}
